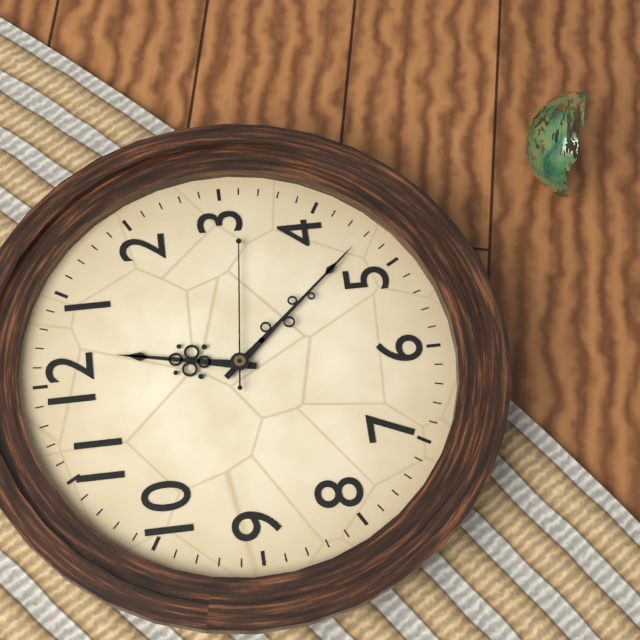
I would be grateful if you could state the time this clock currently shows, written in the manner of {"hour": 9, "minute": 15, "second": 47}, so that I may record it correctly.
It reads {"hour": 12, "minute": 23, "second": 16}
